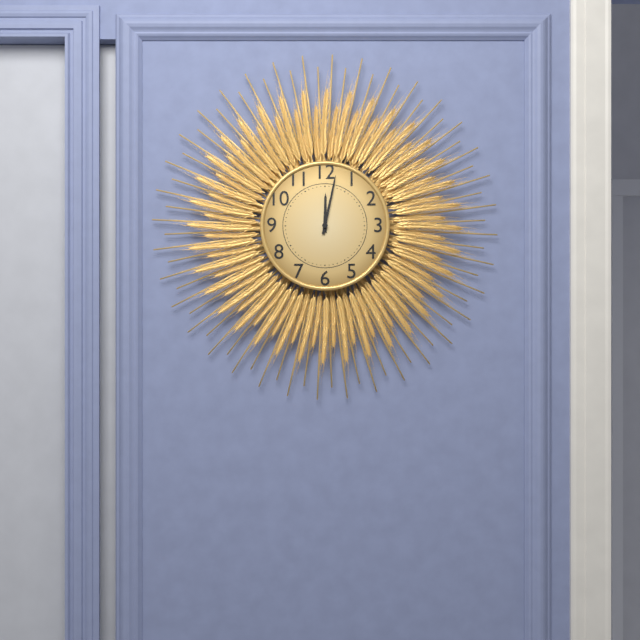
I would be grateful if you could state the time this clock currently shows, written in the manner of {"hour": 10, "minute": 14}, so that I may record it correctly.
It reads {"hour": 12, "minute": 2}
